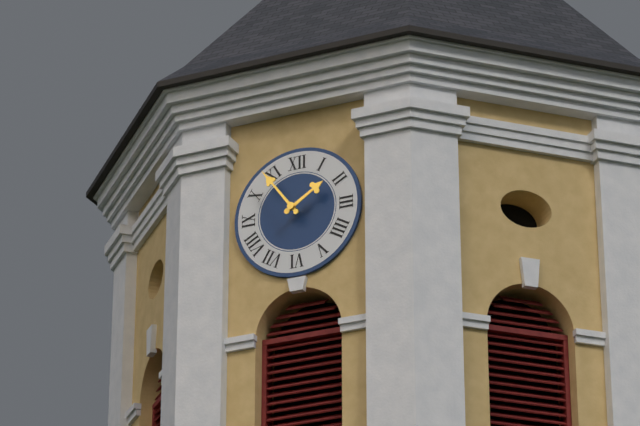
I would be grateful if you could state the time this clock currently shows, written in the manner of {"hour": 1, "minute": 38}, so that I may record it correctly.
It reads {"hour": 1, "minute": 54}
